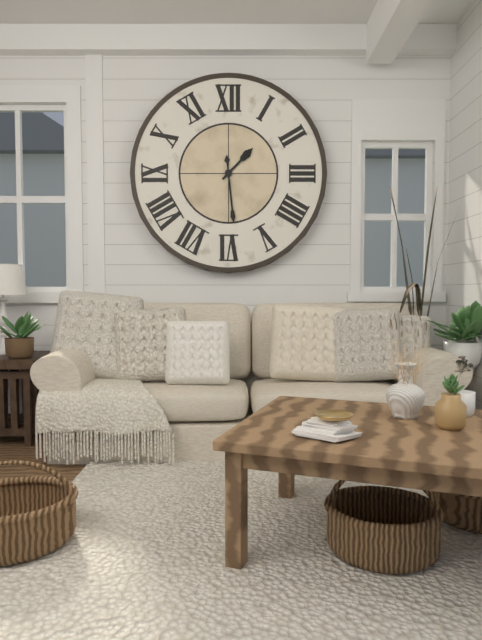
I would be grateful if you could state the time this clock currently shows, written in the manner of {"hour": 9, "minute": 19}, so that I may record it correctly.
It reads {"hour": 1, "minute": 29}
